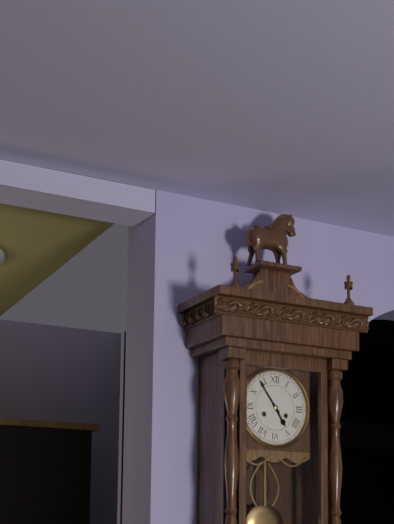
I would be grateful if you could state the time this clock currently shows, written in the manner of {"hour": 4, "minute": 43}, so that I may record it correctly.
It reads {"hour": 4, "minute": 54}
